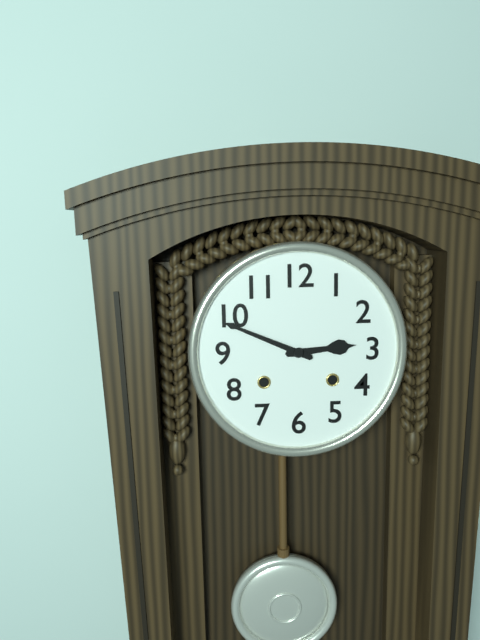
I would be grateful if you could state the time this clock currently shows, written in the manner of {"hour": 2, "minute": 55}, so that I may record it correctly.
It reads {"hour": 2, "minute": 49}
